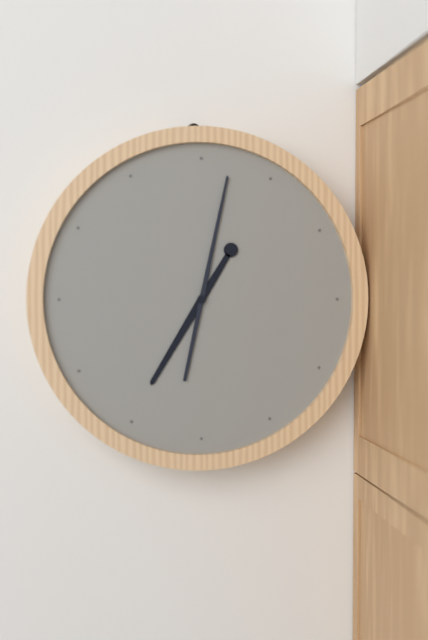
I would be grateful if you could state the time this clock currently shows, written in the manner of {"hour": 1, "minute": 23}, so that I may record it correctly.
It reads {"hour": 7, "minute": 2}
